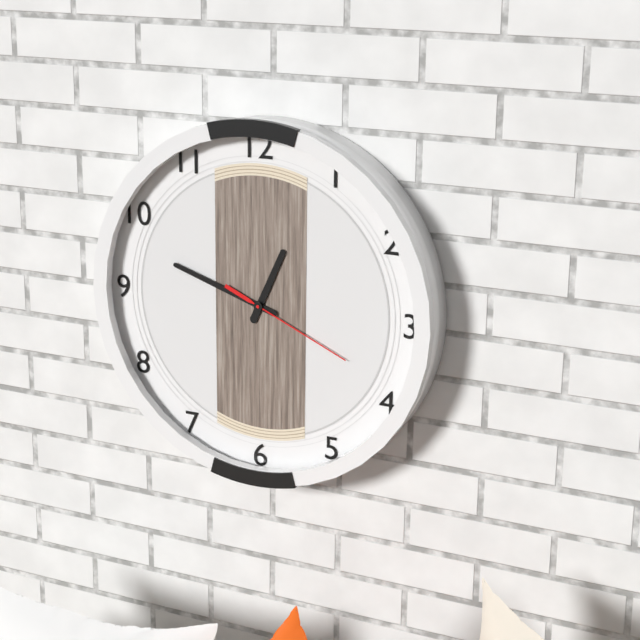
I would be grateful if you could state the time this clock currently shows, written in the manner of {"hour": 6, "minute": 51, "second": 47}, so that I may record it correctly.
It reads {"hour": 12, "minute": 48, "second": 19}
